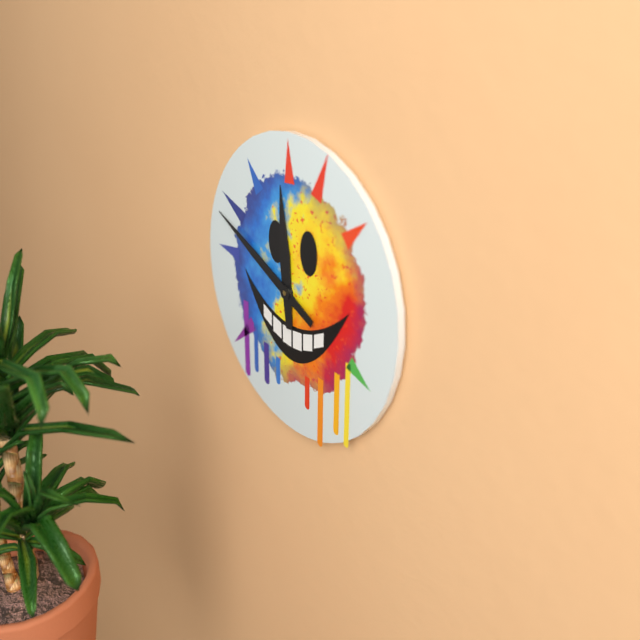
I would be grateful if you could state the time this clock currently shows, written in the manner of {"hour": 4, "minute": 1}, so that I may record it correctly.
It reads {"hour": 11, "minute": 49}
